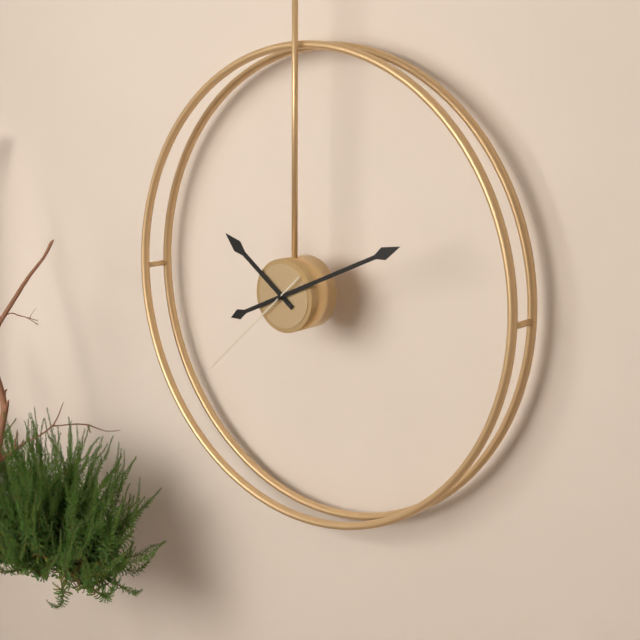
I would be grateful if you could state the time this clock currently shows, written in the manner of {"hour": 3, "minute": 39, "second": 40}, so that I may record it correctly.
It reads {"hour": 10, "minute": 11, "second": 38}
